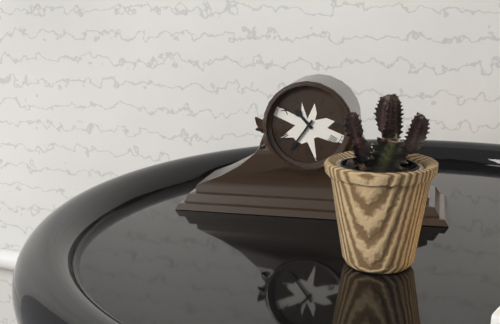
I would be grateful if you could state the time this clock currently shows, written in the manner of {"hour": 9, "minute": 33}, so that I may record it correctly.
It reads {"hour": 10, "minute": 36}
